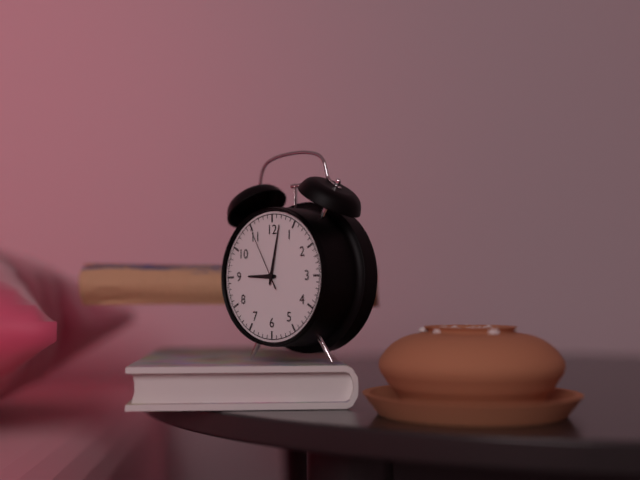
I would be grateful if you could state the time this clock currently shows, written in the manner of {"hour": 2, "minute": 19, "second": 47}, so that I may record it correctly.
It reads {"hour": 9, "minute": 2, "second": 55}
